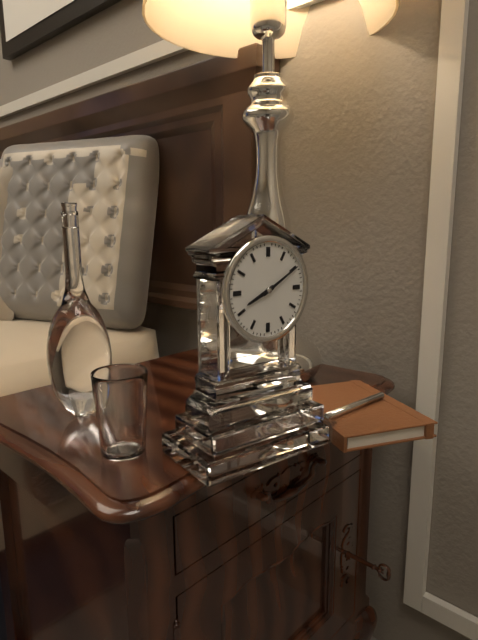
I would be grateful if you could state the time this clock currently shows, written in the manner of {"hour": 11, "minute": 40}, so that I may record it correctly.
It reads {"hour": 8, "minute": 10}
